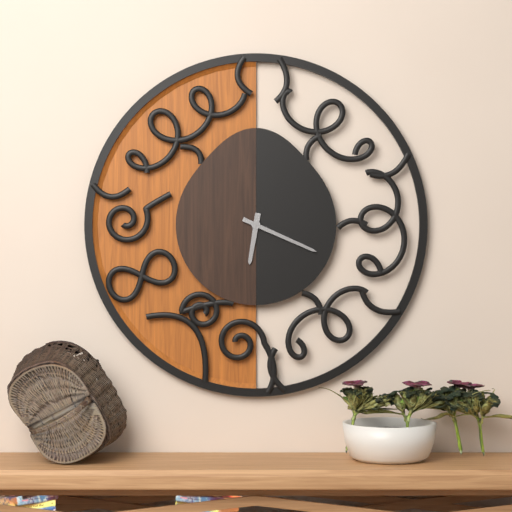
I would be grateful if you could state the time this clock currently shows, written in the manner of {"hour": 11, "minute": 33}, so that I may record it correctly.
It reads {"hour": 6, "minute": 19}
